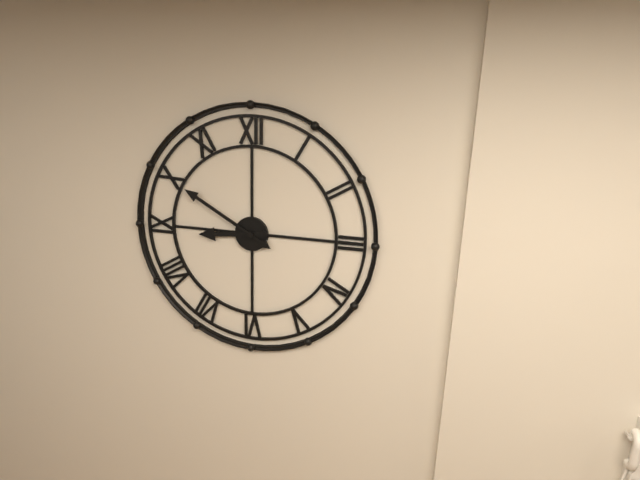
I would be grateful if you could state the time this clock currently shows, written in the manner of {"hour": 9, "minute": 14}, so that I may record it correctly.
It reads {"hour": 8, "minute": 50}
